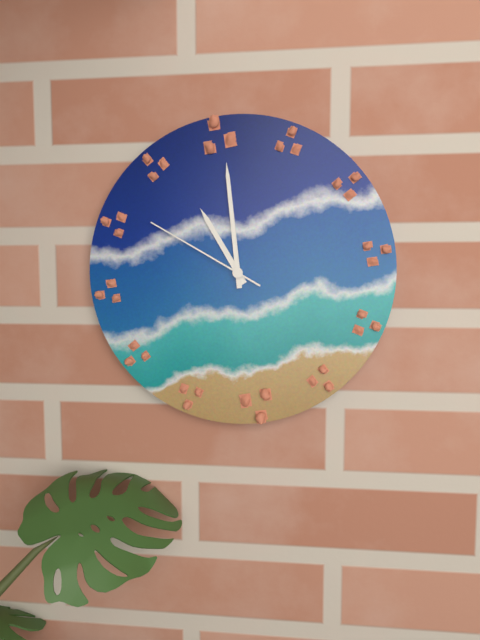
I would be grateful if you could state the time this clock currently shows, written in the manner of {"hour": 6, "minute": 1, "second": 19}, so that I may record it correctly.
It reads {"hour": 10, "minute": 59, "second": 50}
